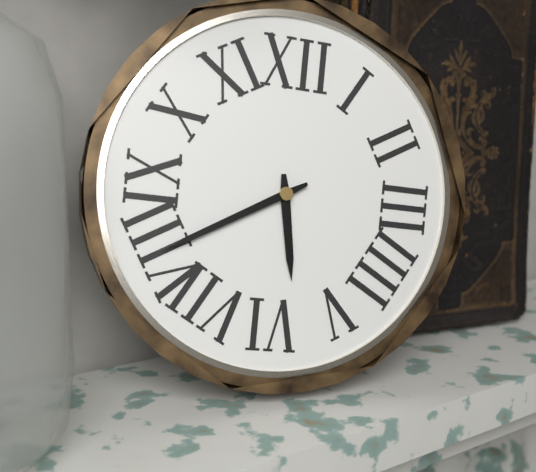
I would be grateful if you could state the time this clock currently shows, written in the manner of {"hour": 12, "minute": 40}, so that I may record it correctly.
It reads {"hour": 5, "minute": 40}
